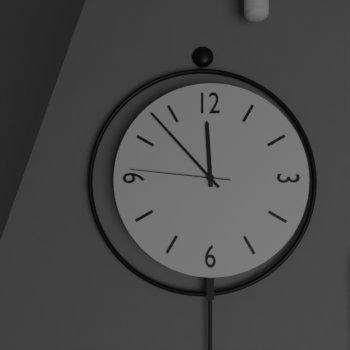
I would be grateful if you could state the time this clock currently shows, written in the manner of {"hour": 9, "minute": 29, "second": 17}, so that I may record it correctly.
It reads {"hour": 11, "minute": 53, "second": 46}
